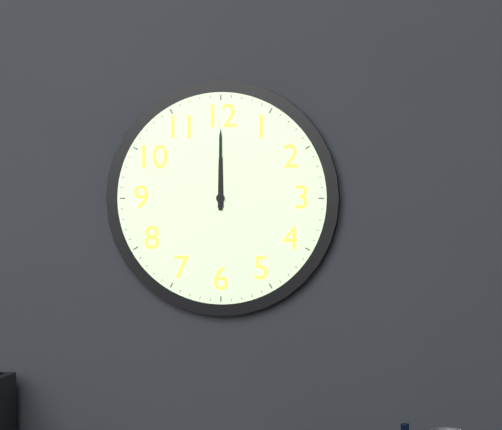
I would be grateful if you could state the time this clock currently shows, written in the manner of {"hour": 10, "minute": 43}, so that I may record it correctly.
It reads {"hour": 12, "minute": 0}
